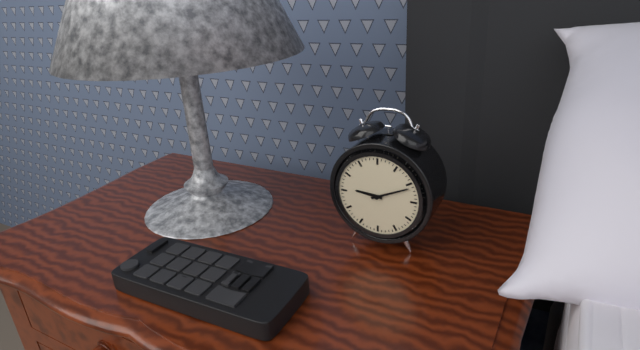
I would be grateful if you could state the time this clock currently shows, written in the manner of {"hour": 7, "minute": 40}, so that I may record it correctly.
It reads {"hour": 9, "minute": 11}
